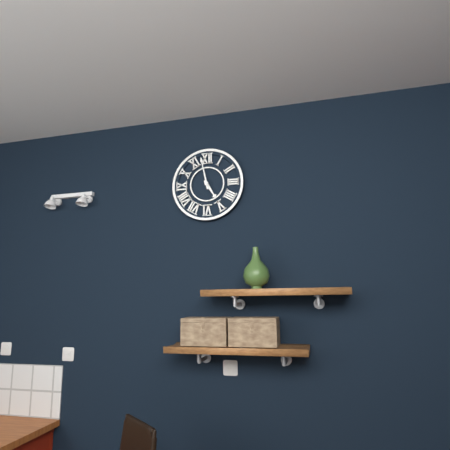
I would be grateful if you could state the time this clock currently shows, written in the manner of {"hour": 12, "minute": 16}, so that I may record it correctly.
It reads {"hour": 4, "minute": 58}
